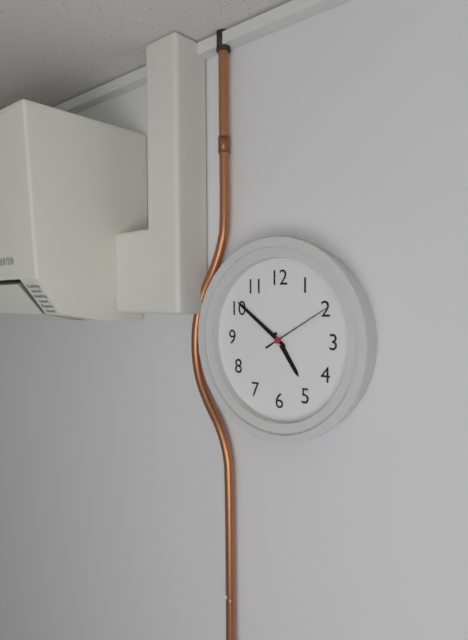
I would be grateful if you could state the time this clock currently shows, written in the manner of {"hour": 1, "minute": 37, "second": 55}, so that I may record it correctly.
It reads {"hour": 4, "minute": 51, "second": 10}
